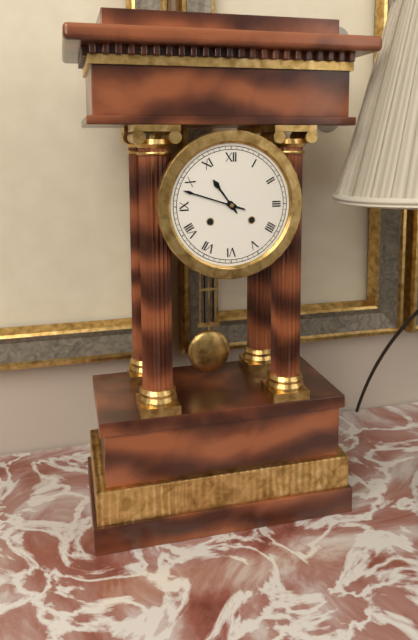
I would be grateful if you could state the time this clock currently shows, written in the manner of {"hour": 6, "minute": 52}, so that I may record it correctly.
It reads {"hour": 10, "minute": 48}
